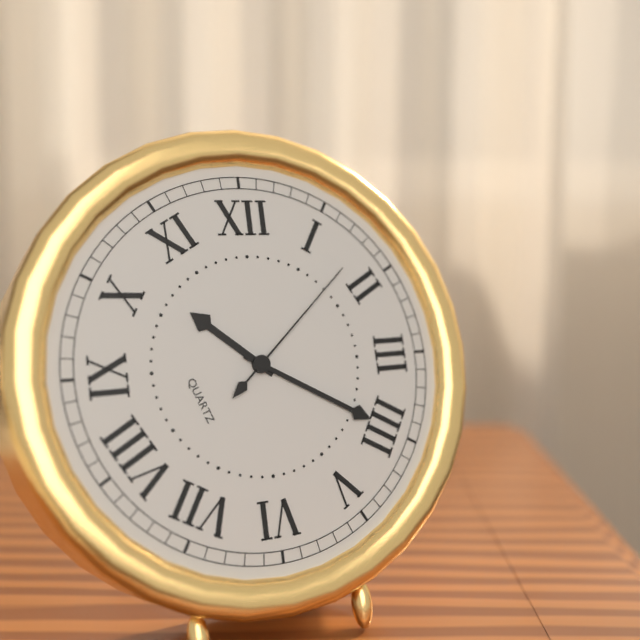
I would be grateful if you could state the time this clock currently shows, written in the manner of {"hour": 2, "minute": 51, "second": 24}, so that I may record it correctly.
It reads {"hour": 10, "minute": 20, "second": 8}
